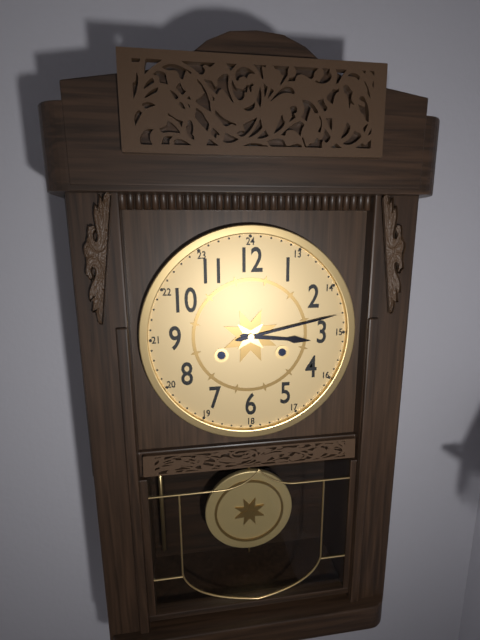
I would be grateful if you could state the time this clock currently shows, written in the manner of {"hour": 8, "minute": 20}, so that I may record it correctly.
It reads {"hour": 3, "minute": 13}
